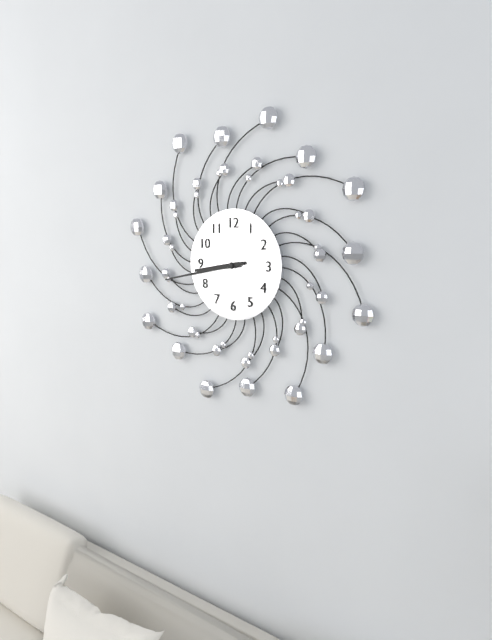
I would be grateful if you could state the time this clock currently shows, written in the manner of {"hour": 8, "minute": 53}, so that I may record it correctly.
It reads {"hour": 8, "minute": 43}
